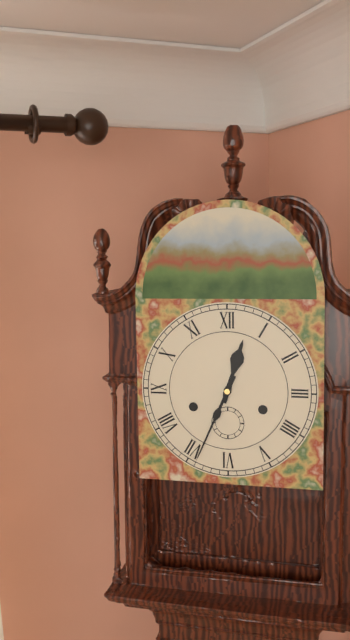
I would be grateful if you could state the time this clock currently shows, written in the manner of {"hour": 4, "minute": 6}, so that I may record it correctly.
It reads {"hour": 12, "minute": 34}
